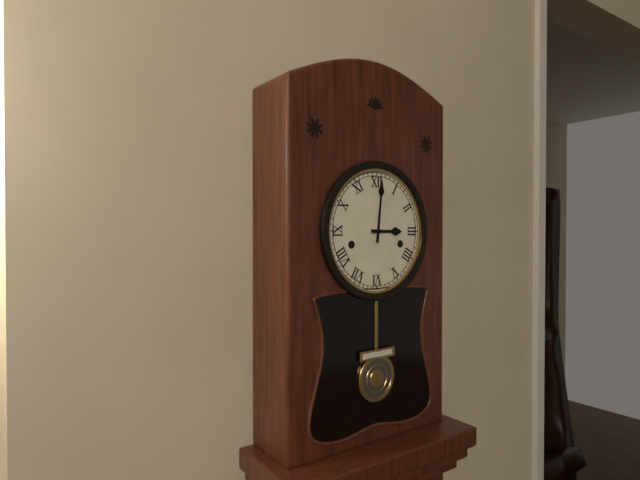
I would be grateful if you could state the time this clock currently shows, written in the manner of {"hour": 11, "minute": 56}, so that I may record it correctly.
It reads {"hour": 3, "minute": 1}
